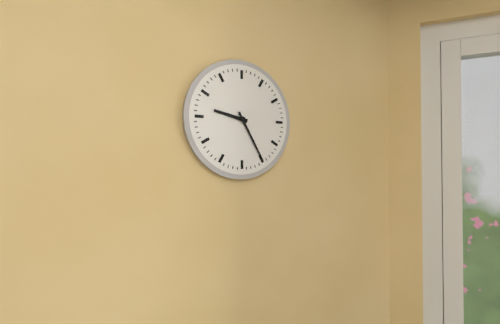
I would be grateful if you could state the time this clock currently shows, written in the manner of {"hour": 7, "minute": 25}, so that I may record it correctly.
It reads {"hour": 9, "minute": 25}
